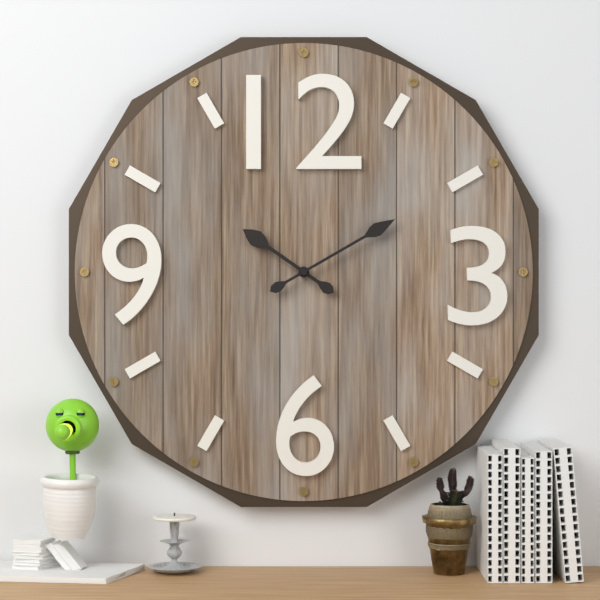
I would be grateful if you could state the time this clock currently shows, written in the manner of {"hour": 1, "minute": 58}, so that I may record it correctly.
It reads {"hour": 10, "minute": 10}
